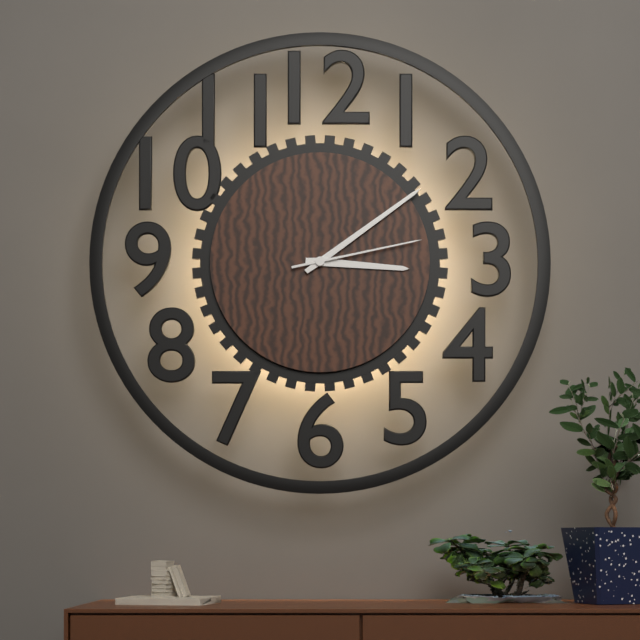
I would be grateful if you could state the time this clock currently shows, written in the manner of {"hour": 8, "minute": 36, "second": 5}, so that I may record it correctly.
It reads {"hour": 3, "minute": 9, "second": 13}
